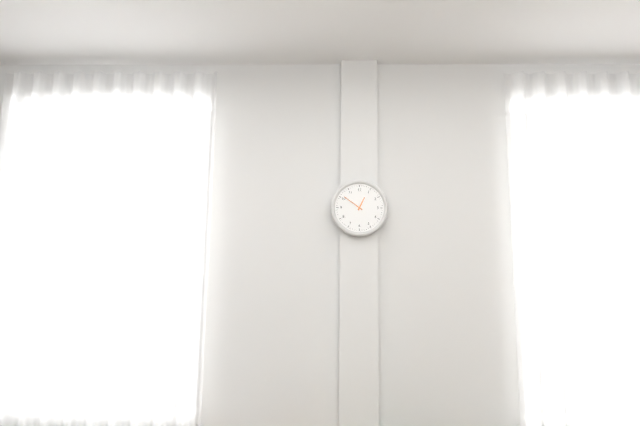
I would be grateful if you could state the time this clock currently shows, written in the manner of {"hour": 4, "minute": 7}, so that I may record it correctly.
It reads {"hour": 12, "minute": 51}
